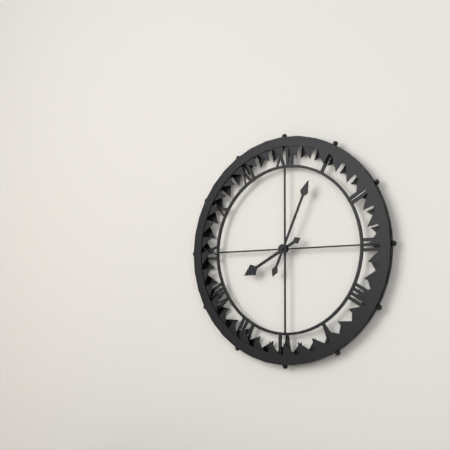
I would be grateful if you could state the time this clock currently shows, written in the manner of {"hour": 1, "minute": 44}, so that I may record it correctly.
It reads {"hour": 8, "minute": 4}
